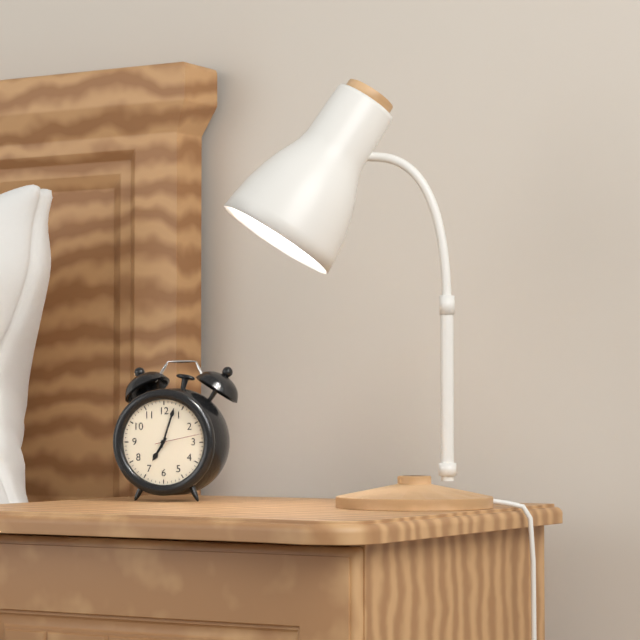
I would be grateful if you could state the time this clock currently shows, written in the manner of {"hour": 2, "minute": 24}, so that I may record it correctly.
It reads {"hour": 7, "minute": 3}
